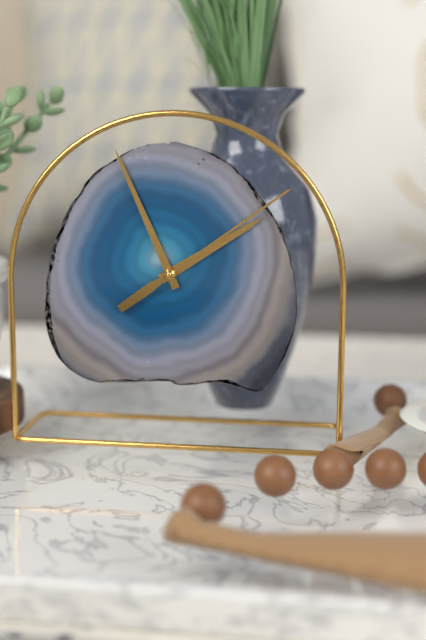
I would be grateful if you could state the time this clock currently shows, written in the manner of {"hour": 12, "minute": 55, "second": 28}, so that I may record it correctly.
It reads {"hour": 1, "minute": 56, "second": 9}
